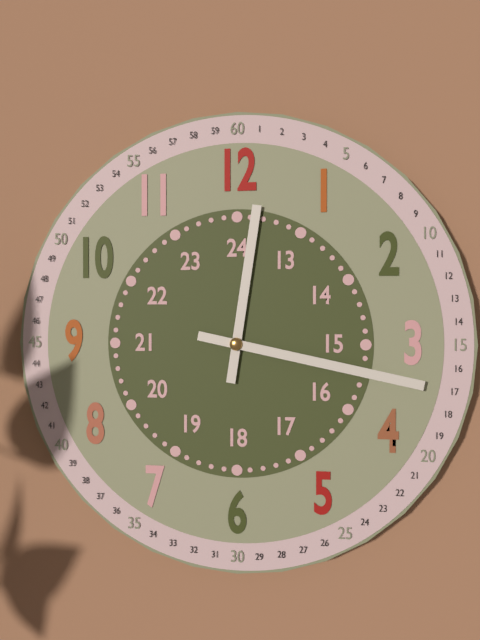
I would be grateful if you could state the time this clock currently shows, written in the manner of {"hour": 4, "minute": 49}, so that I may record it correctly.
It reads {"hour": 12, "minute": 17}
